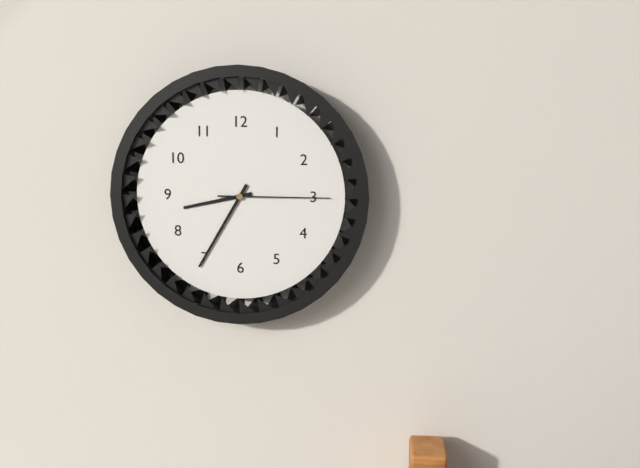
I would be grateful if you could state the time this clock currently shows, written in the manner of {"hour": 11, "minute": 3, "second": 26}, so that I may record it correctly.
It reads {"hour": 8, "minute": 35, "second": 15}
